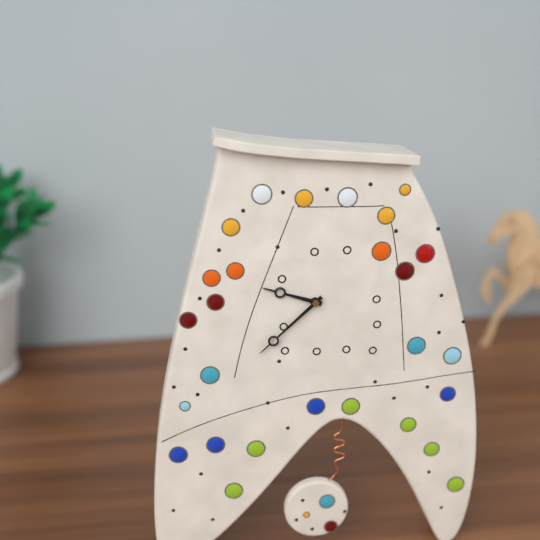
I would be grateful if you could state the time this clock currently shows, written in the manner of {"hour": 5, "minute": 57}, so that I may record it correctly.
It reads {"hour": 9, "minute": 38}
